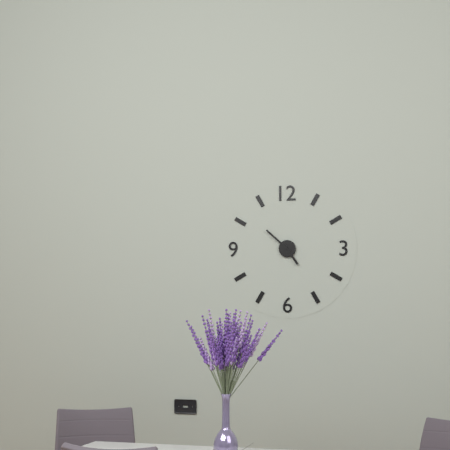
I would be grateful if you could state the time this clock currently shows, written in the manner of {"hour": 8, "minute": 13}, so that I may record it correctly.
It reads {"hour": 4, "minute": 52}
